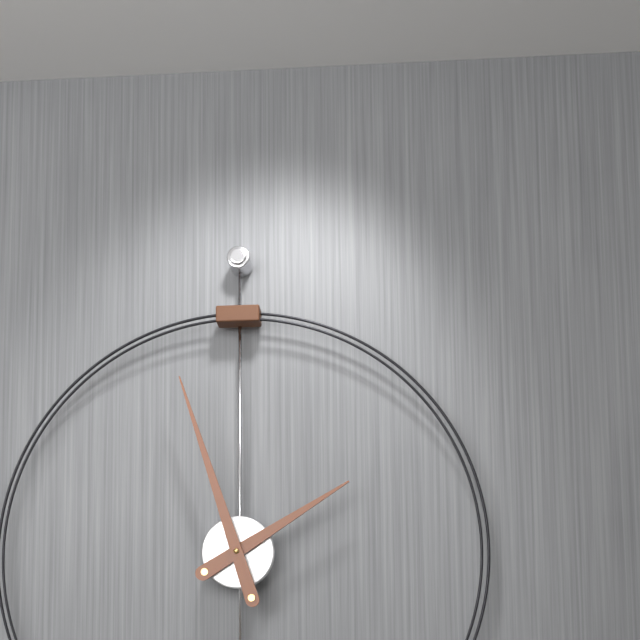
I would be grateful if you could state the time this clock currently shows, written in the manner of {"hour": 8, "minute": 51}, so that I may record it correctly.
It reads {"hour": 1, "minute": 57}
